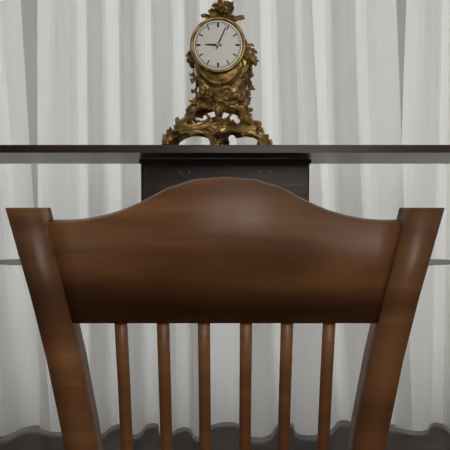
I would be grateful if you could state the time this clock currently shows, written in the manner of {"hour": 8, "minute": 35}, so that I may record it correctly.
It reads {"hour": 9, "minute": 4}
